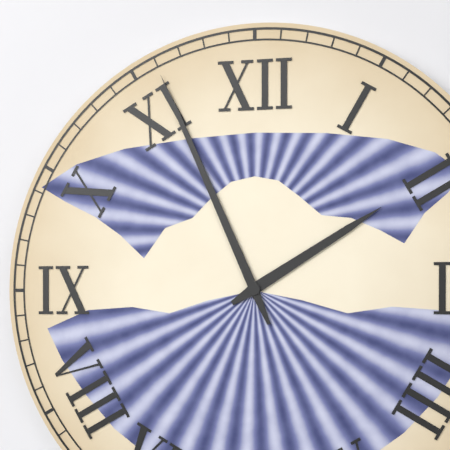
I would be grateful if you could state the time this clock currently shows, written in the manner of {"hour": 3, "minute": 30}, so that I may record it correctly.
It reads {"hour": 1, "minute": 56}
